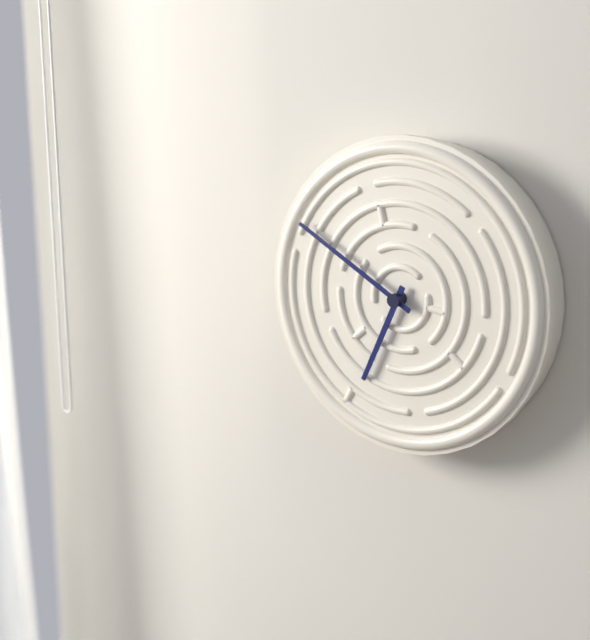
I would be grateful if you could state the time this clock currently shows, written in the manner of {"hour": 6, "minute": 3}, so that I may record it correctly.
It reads {"hour": 6, "minute": 50}
